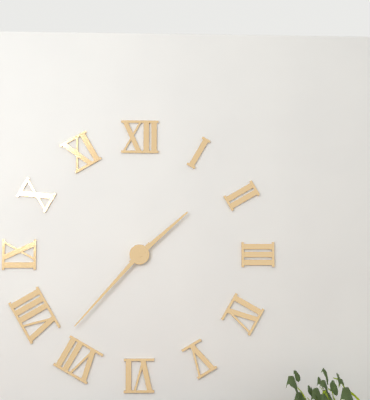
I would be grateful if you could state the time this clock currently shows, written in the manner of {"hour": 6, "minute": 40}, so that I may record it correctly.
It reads {"hour": 1, "minute": 37}
